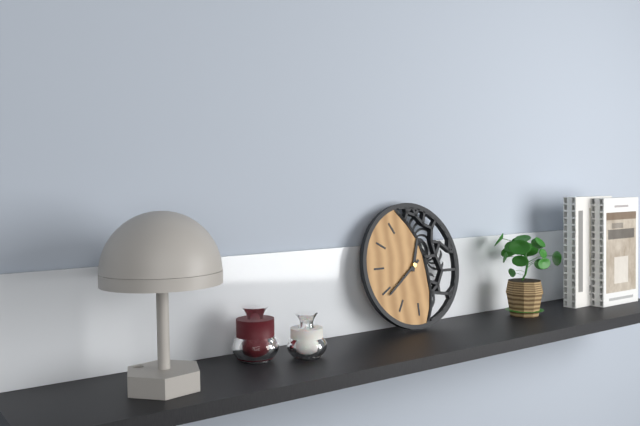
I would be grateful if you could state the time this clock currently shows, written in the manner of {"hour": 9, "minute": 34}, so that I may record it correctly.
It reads {"hour": 12, "minute": 39}
